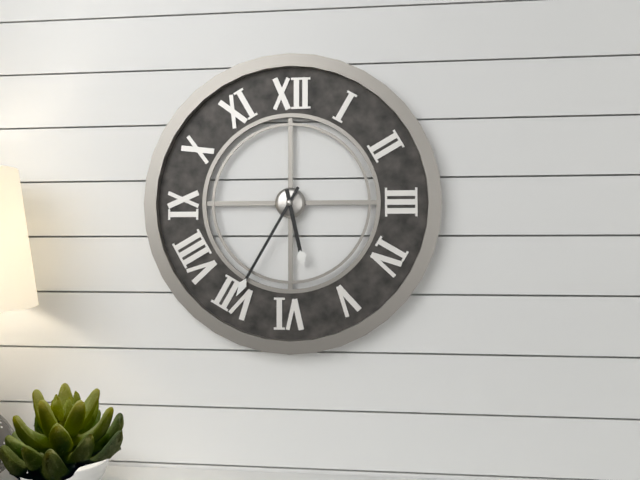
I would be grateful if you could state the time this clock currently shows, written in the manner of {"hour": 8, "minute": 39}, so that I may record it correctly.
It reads {"hour": 5, "minute": 35}
